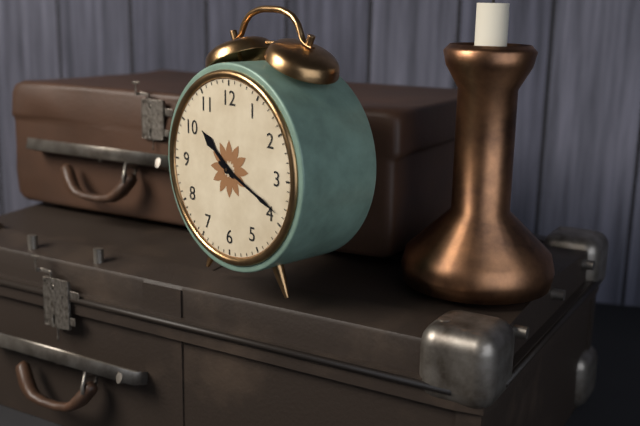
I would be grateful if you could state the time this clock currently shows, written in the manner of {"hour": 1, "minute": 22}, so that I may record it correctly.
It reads {"hour": 10, "minute": 19}
